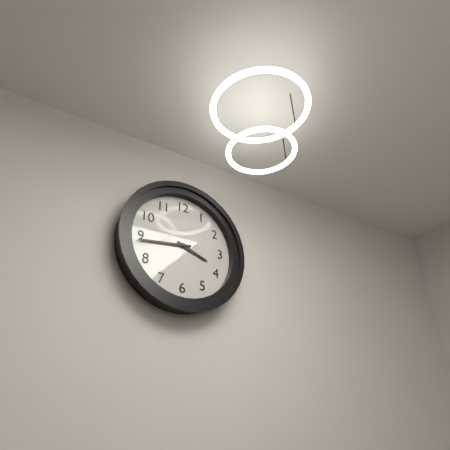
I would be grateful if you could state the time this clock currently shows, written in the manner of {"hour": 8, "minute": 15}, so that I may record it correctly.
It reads {"hour": 3, "minute": 44}
